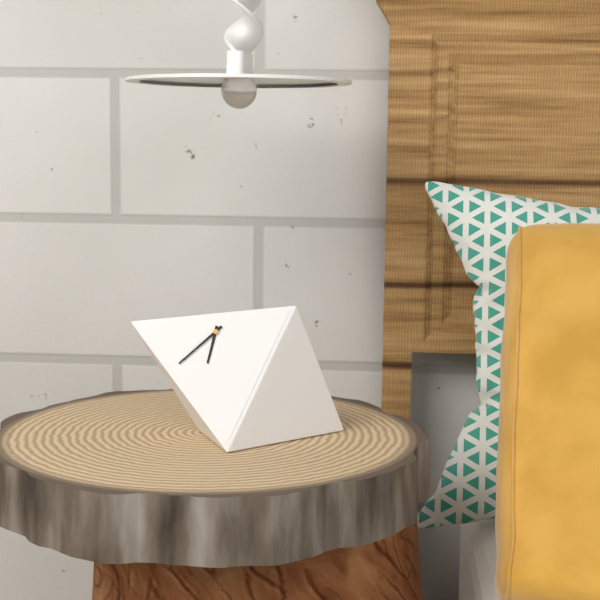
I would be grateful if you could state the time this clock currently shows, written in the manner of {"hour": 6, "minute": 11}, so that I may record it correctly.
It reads {"hour": 6, "minute": 39}
